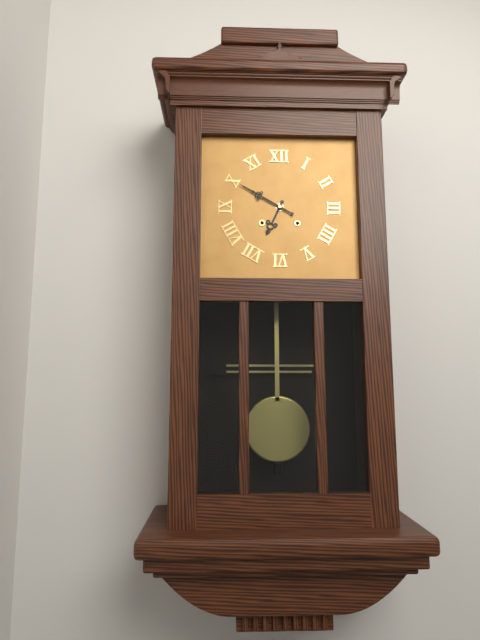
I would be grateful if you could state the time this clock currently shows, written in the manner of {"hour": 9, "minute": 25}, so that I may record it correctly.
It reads {"hour": 6, "minute": 50}
